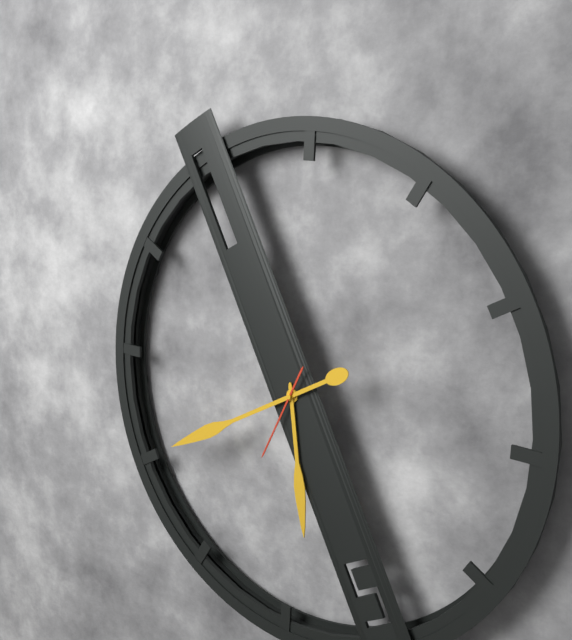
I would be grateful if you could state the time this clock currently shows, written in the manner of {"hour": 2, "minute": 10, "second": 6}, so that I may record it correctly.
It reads {"hour": 5, "minute": 40, "second": 34}
